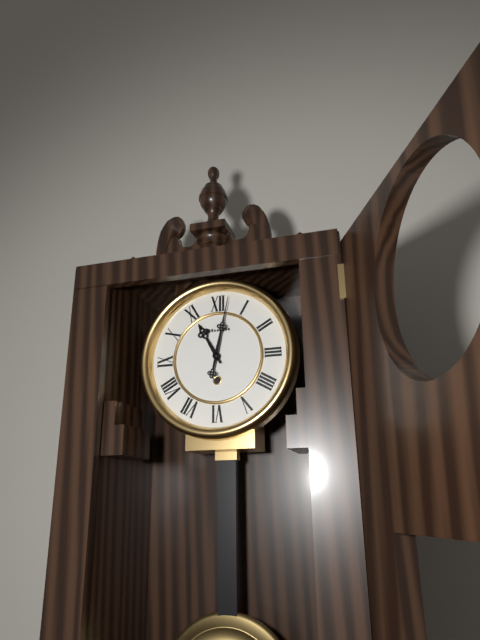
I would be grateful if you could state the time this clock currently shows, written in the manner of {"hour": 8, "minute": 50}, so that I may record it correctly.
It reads {"hour": 11, "minute": 2}
